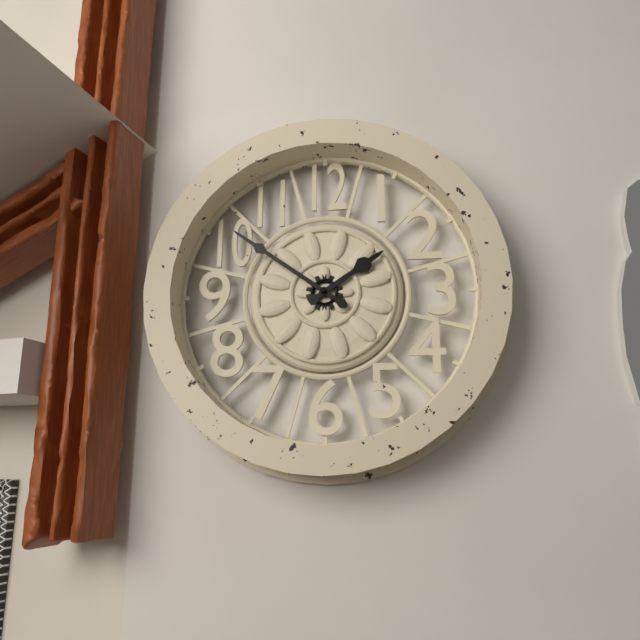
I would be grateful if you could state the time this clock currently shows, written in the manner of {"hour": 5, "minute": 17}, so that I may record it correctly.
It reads {"hour": 1, "minute": 51}
